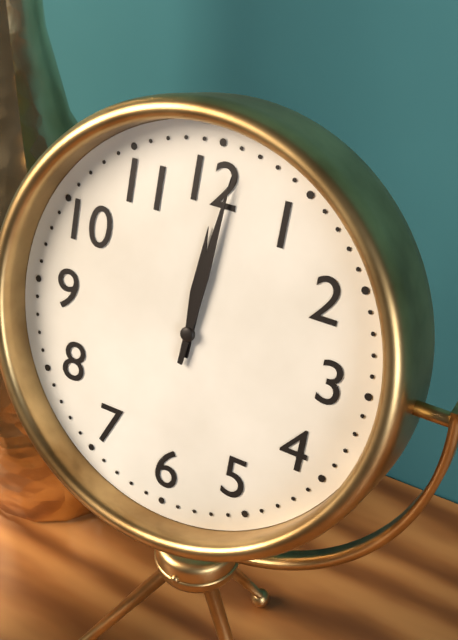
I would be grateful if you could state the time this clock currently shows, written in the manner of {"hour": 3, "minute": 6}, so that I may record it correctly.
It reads {"hour": 12, "minute": 1}
